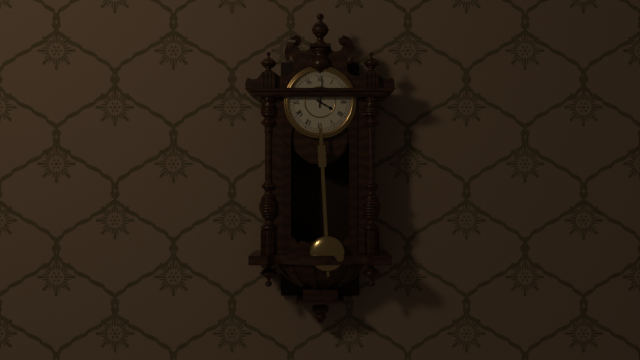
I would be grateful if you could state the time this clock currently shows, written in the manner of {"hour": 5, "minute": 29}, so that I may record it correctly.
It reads {"hour": 4, "minute": 1}
